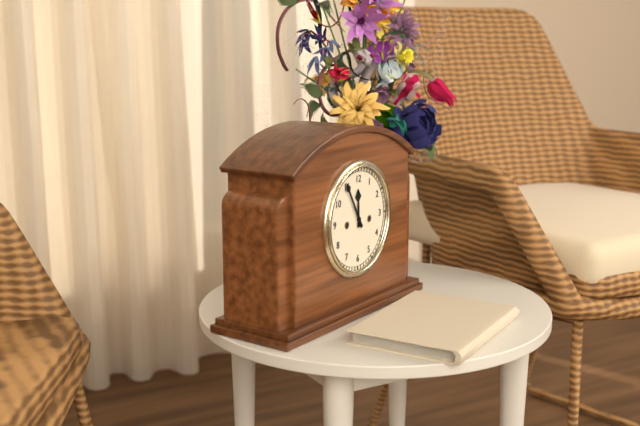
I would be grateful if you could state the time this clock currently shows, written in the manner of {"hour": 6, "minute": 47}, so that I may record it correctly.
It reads {"hour": 11, "minute": 55}
